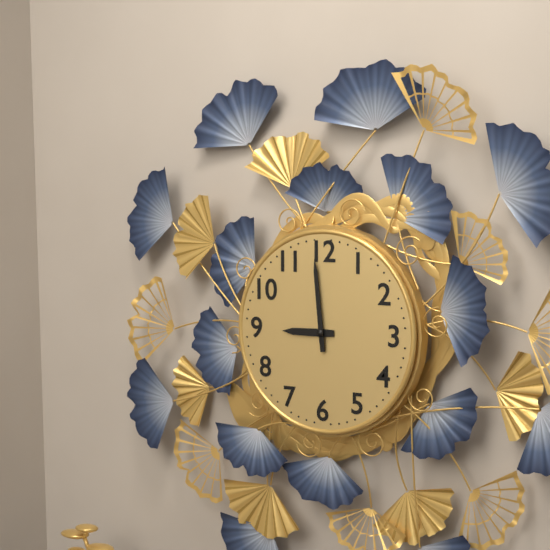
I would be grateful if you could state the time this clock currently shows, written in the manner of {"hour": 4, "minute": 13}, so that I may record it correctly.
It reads {"hour": 8, "minute": 59}
